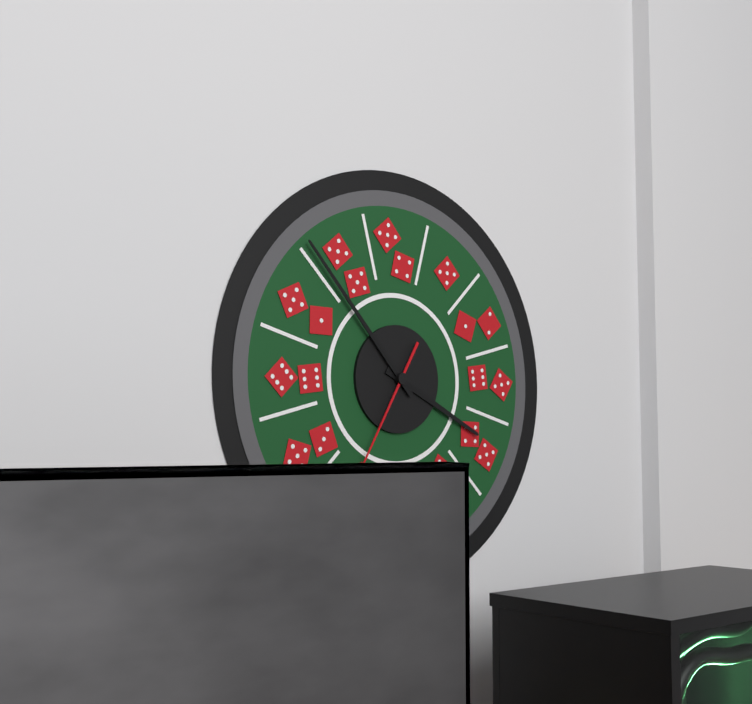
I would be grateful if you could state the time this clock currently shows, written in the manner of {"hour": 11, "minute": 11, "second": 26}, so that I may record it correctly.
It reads {"hour": 3, "minute": 53, "second": 35}
